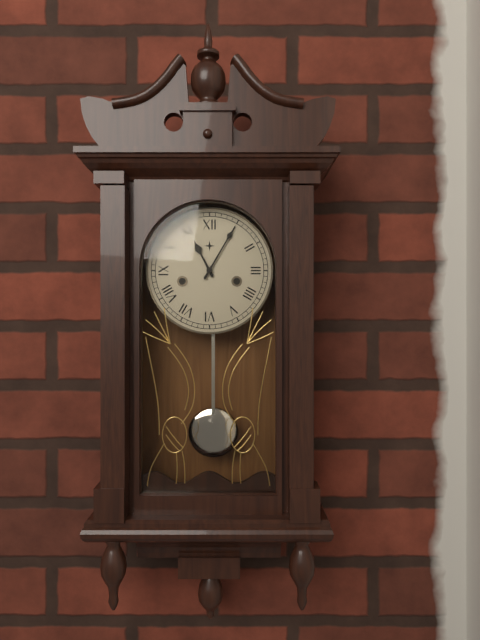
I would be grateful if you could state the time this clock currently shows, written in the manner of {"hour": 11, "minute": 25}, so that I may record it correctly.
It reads {"hour": 11, "minute": 5}
